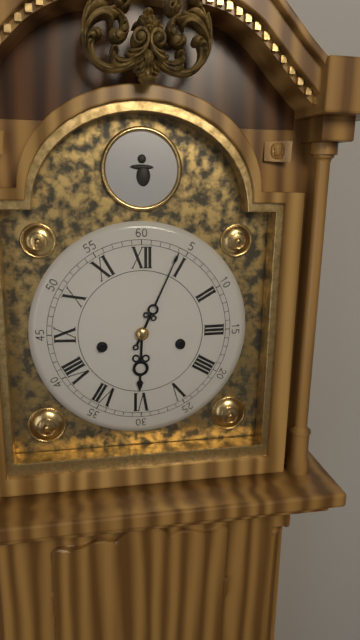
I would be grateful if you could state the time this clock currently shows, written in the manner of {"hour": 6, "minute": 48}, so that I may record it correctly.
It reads {"hour": 6, "minute": 4}
